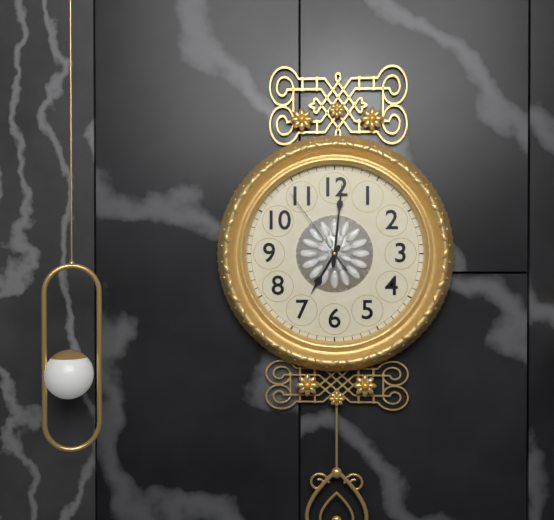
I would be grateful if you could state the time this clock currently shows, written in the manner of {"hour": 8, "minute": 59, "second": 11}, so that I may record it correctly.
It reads {"hour": 7, "minute": 1, "second": 54}
